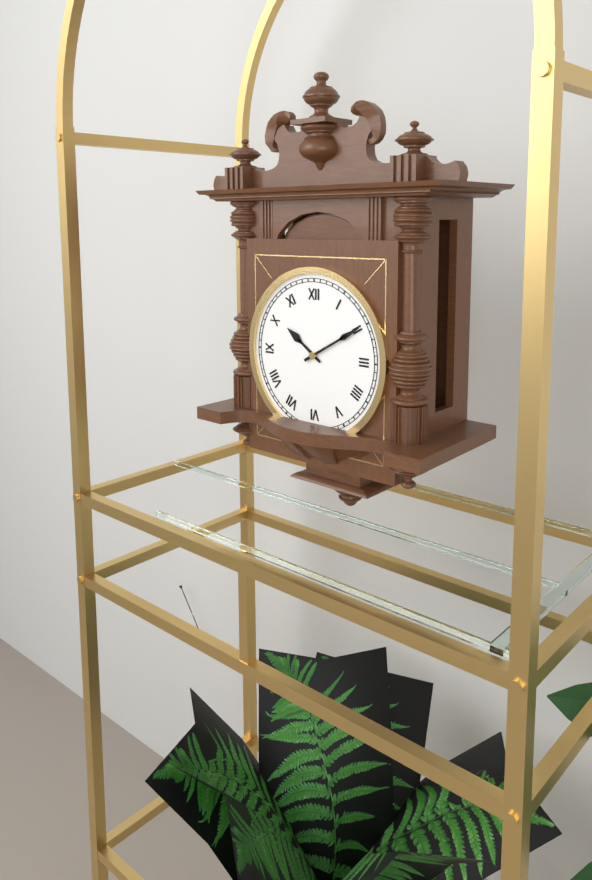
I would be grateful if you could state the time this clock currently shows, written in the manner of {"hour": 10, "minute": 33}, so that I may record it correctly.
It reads {"hour": 10, "minute": 10}
